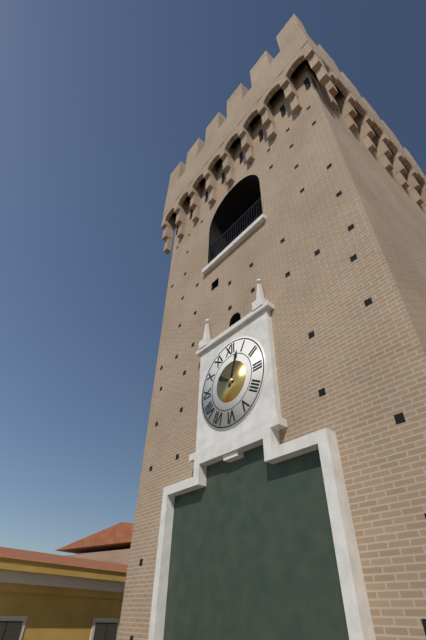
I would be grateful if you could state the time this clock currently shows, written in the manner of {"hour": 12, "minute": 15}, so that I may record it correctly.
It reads {"hour": 10, "minute": 3}
